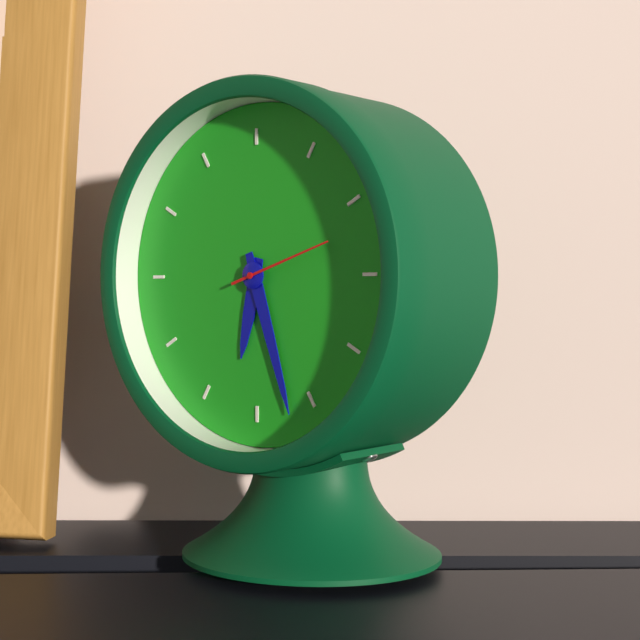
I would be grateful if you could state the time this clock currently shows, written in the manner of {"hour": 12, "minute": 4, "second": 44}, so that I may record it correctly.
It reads {"hour": 6, "minute": 27, "second": 12}
